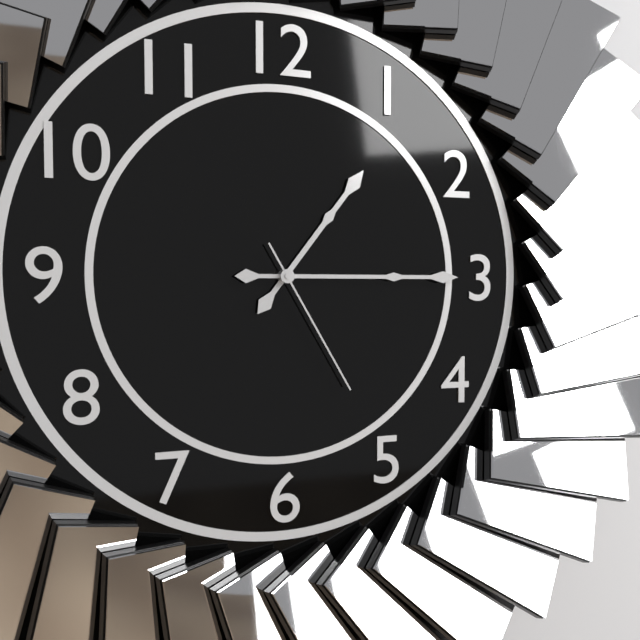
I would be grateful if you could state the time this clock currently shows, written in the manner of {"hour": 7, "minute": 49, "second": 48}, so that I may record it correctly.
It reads {"hour": 1, "minute": 15, "second": 25}
